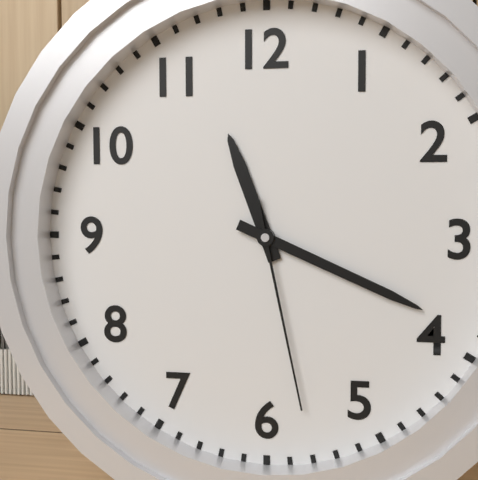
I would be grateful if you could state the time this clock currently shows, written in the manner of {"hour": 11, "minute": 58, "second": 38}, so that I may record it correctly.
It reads {"hour": 11, "minute": 19, "second": 28}
